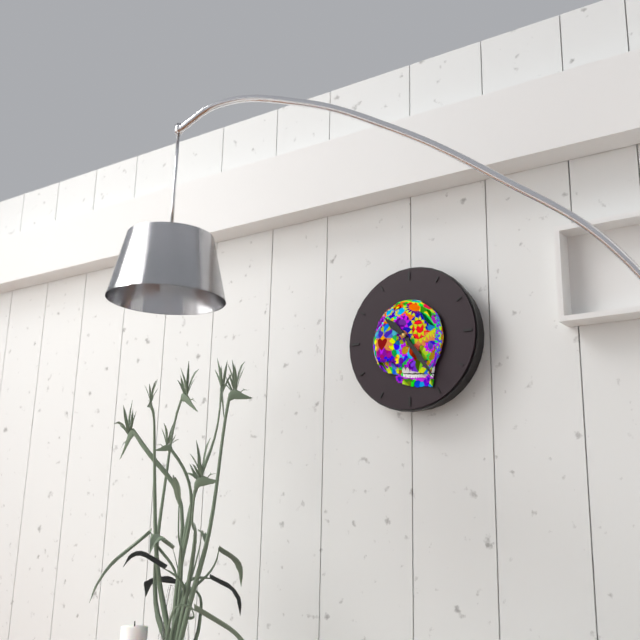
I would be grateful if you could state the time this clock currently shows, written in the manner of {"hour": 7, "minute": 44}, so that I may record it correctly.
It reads {"hour": 10, "minute": 24}
